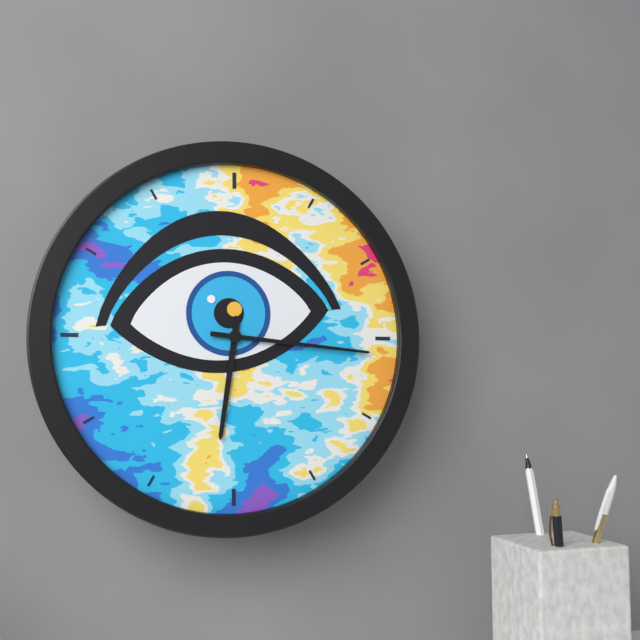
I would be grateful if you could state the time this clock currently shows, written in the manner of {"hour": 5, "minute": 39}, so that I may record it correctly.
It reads {"hour": 6, "minute": 16}
